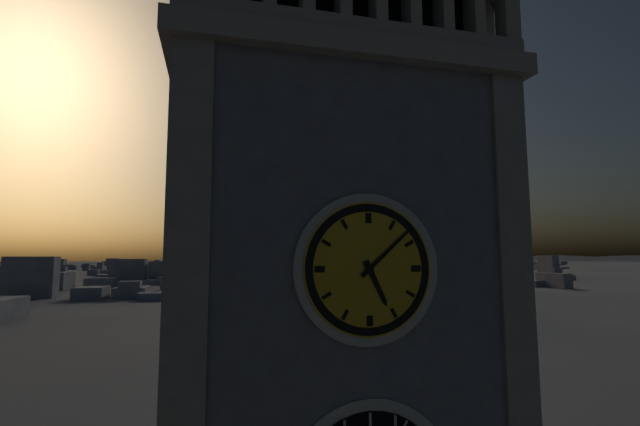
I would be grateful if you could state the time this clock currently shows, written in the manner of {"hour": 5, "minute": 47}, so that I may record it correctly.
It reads {"hour": 5, "minute": 8}
